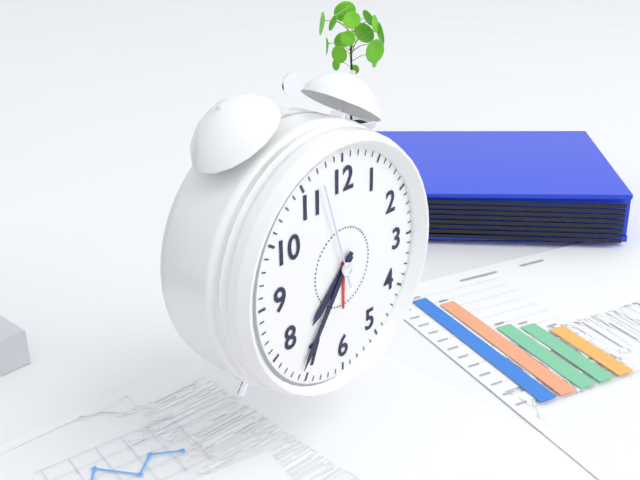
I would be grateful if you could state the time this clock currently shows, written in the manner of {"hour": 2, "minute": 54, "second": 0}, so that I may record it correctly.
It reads {"hour": 7, "minute": 36, "second": 57}
